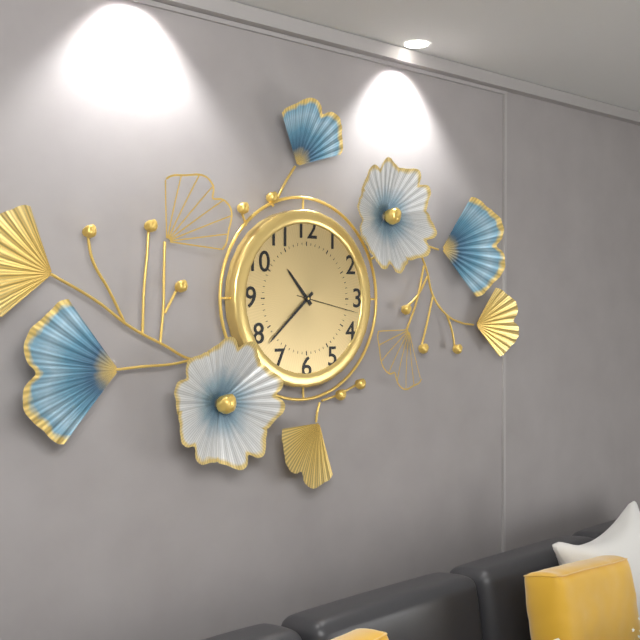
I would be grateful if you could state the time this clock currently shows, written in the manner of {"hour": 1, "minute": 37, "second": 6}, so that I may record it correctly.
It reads {"hour": 10, "minute": 38, "second": 17}
